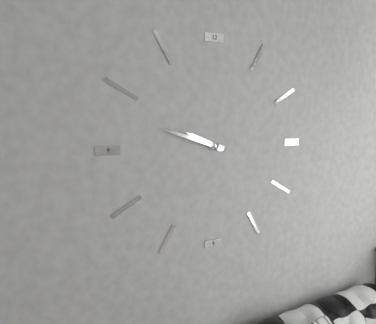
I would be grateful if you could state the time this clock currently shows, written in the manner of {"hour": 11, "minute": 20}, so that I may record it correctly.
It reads {"hour": 9, "minute": 48}
